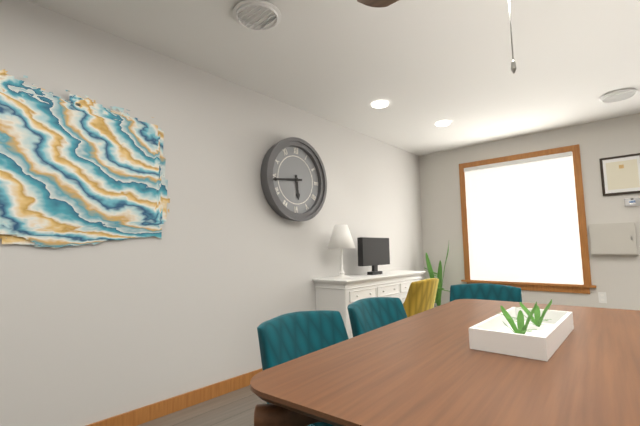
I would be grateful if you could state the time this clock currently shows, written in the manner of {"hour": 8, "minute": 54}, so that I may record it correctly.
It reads {"hour": 5, "minute": 44}
